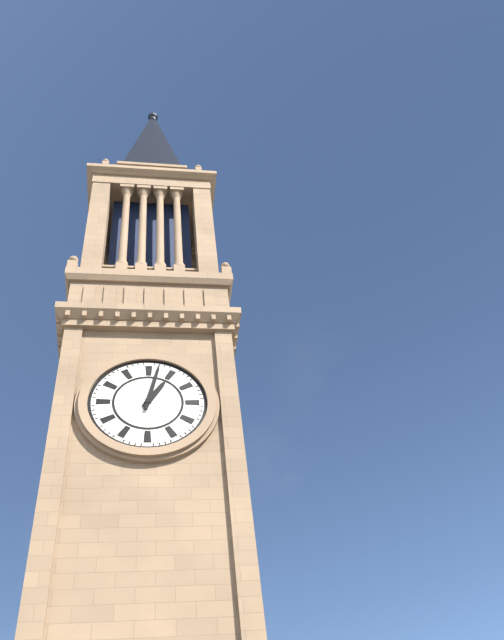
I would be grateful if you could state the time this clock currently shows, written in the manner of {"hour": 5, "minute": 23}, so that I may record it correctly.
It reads {"hour": 1, "minute": 2}
